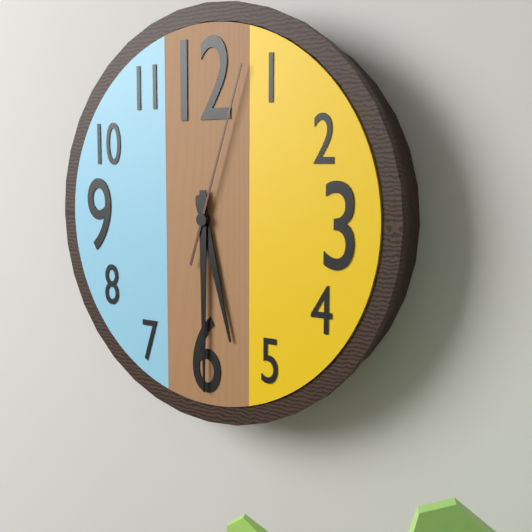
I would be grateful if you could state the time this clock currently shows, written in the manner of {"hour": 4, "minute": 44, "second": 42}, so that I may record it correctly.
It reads {"hour": 5, "minute": 30, "second": 3}
